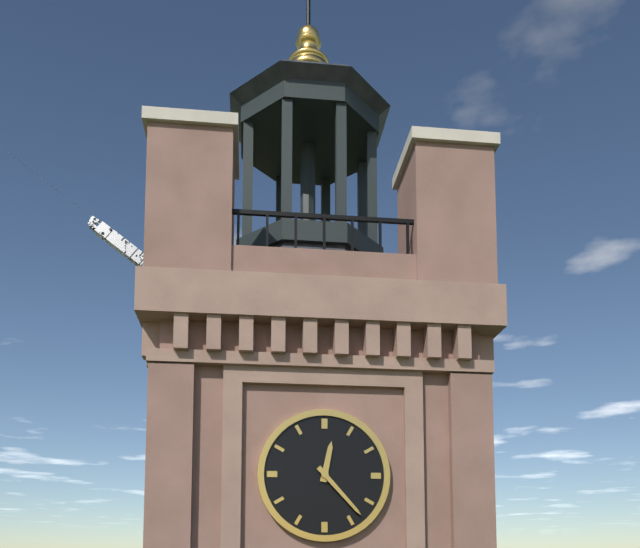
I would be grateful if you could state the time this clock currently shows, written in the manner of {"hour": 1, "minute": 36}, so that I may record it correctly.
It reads {"hour": 12, "minute": 23}
